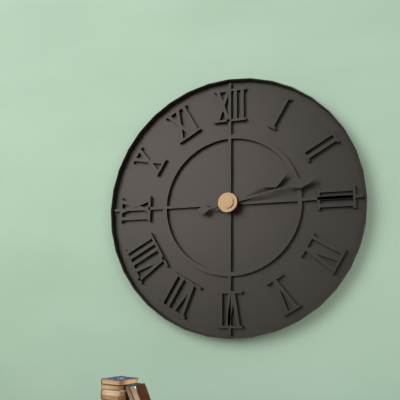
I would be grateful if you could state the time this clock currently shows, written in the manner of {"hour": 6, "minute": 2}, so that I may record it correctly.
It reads {"hour": 2, "minute": 13}
